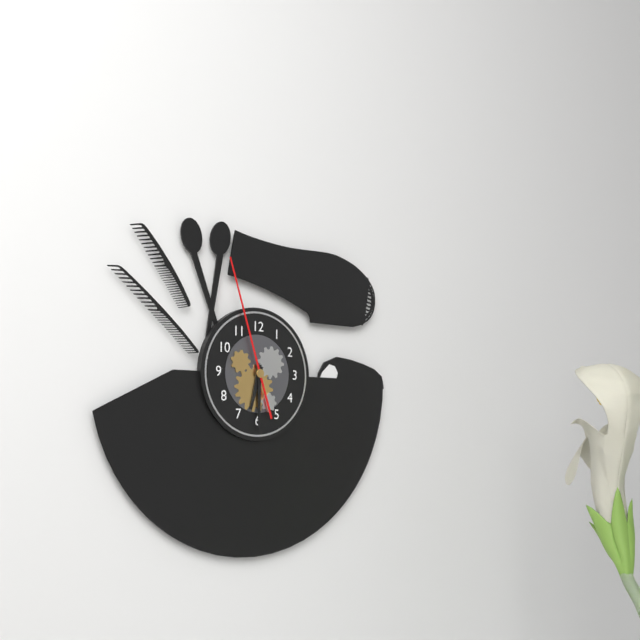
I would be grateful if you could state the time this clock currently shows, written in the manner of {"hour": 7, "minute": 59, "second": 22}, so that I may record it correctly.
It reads {"hour": 6, "minute": 30, "second": 57}
